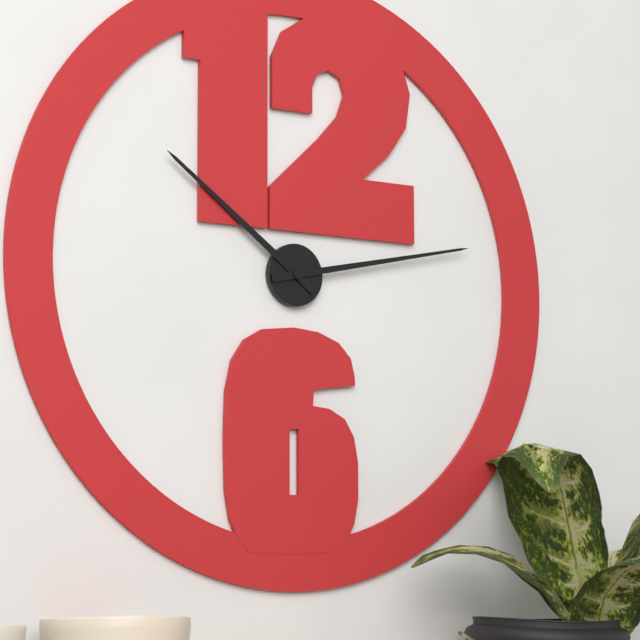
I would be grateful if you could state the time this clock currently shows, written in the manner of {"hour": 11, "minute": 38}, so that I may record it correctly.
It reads {"hour": 10, "minute": 13}
